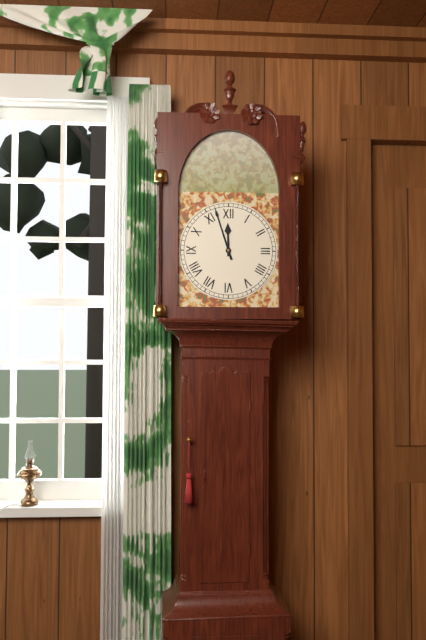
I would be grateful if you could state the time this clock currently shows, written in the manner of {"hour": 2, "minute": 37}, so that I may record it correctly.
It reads {"hour": 11, "minute": 57}
